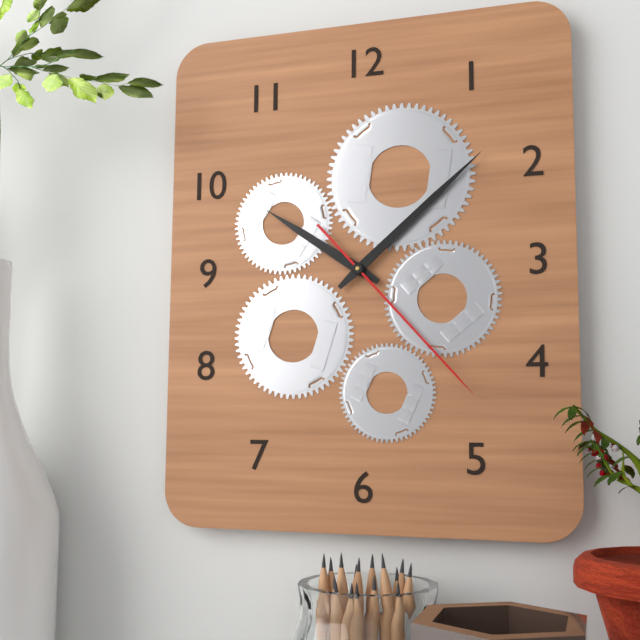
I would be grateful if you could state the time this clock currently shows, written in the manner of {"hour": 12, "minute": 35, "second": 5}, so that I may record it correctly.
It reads {"hour": 10, "minute": 8, "second": 23}
